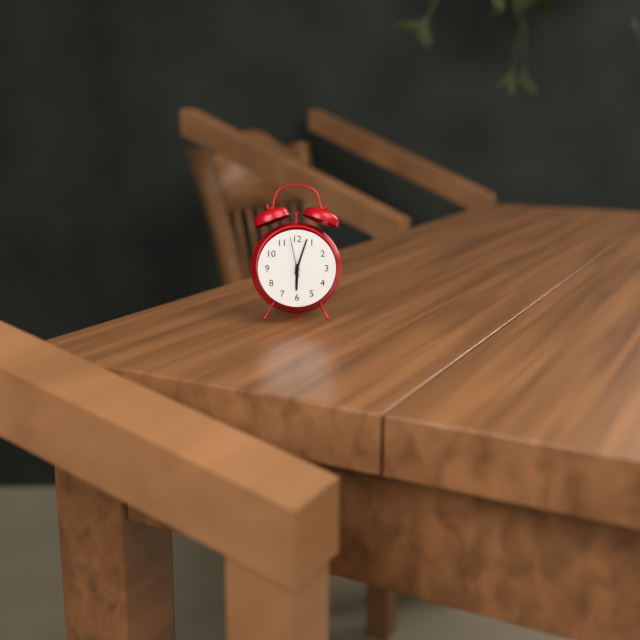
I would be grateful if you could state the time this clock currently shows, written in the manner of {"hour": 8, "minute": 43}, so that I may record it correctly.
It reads {"hour": 6, "minute": 3}
